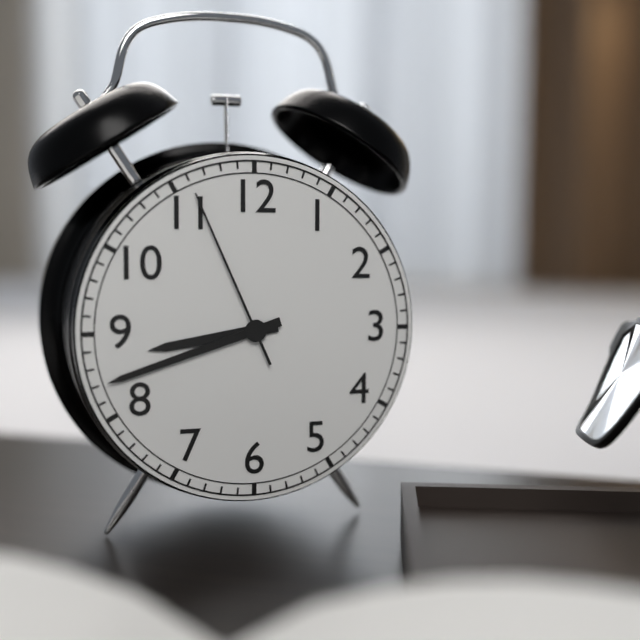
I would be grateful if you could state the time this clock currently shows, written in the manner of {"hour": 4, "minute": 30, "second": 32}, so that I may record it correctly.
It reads {"hour": 8, "minute": 42, "second": 56}
